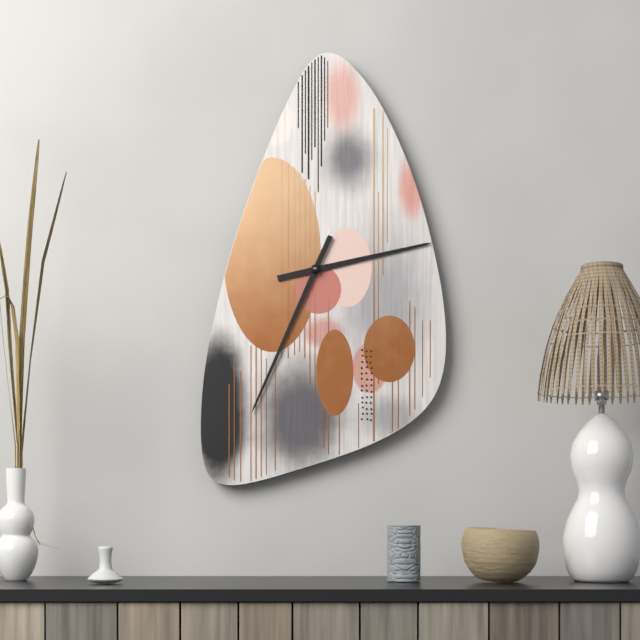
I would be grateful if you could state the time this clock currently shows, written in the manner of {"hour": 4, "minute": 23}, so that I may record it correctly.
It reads {"hour": 2, "minute": 34}
